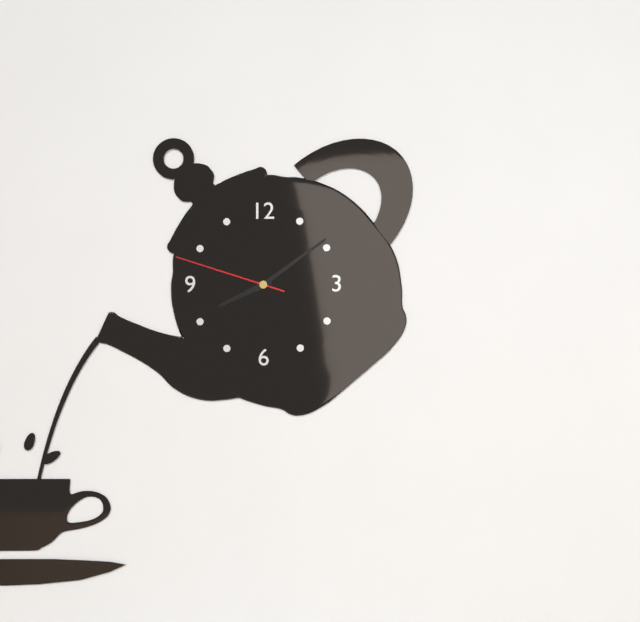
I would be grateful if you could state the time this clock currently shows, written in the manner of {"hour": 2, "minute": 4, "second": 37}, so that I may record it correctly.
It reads {"hour": 8, "minute": 9, "second": 48}
